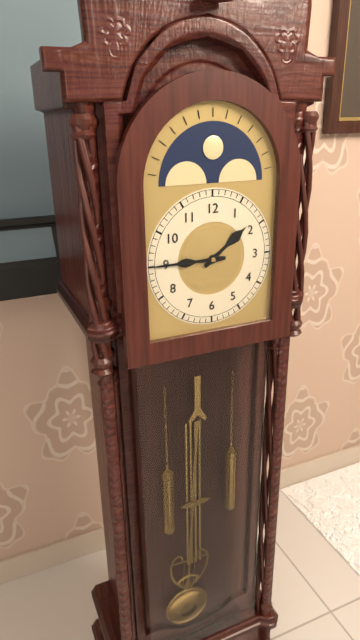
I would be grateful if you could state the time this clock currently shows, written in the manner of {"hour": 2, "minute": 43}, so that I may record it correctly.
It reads {"hour": 1, "minute": 45}
